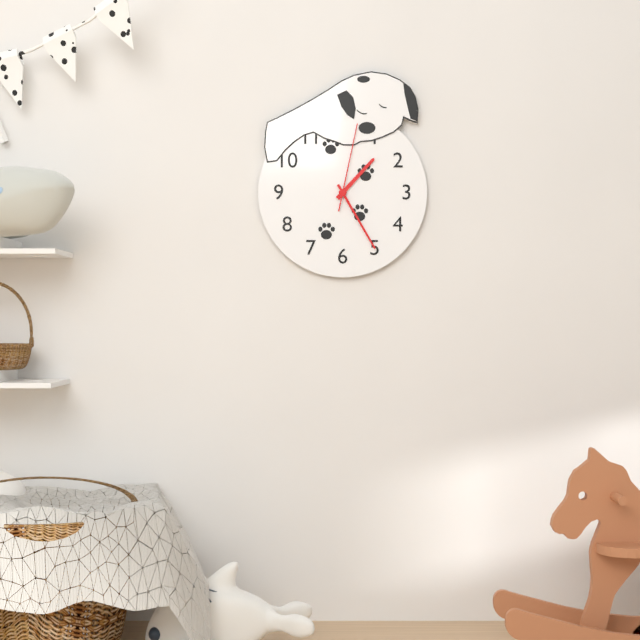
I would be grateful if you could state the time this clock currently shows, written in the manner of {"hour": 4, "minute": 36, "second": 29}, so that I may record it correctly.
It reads {"hour": 1, "minute": 25, "second": 2}
